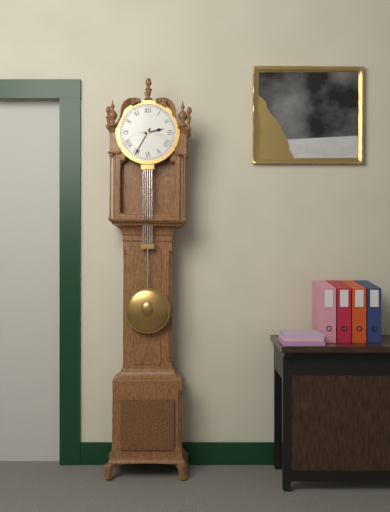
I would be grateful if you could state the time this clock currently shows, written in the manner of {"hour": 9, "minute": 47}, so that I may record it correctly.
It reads {"hour": 2, "minute": 35}
